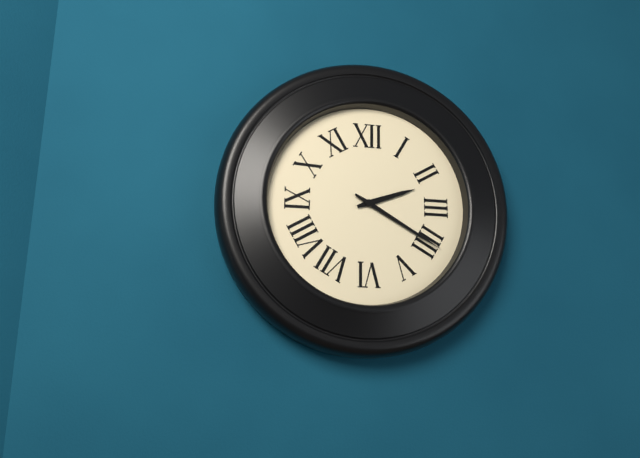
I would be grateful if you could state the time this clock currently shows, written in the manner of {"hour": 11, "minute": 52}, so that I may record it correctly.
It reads {"hour": 2, "minute": 20}
